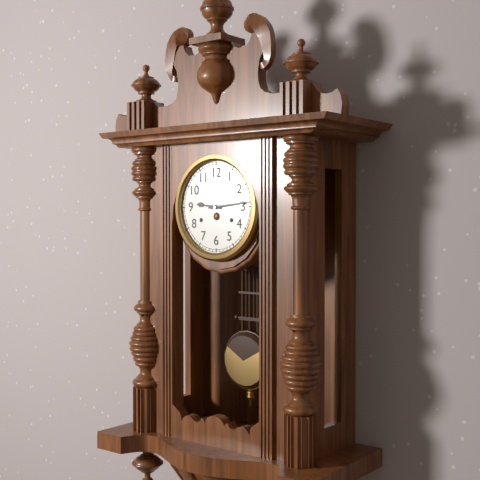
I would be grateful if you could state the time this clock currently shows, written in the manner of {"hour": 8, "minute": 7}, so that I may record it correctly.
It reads {"hour": 9, "minute": 14}
